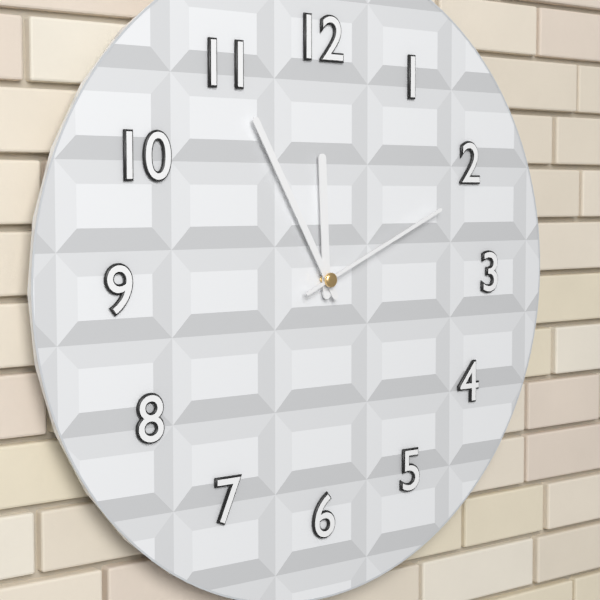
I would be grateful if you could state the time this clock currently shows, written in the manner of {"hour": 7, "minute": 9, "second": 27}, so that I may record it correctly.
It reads {"hour": 11, "minute": 55, "second": 11}
